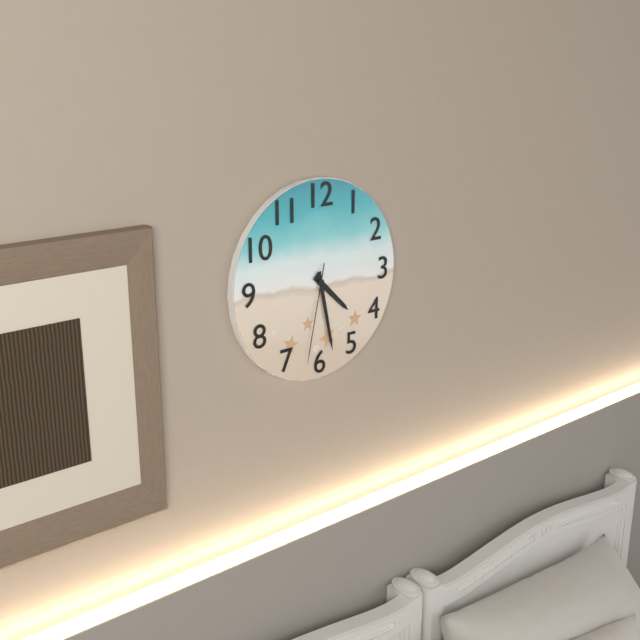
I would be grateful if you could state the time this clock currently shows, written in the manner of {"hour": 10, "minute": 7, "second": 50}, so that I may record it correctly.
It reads {"hour": 4, "minute": 28, "second": 32}
